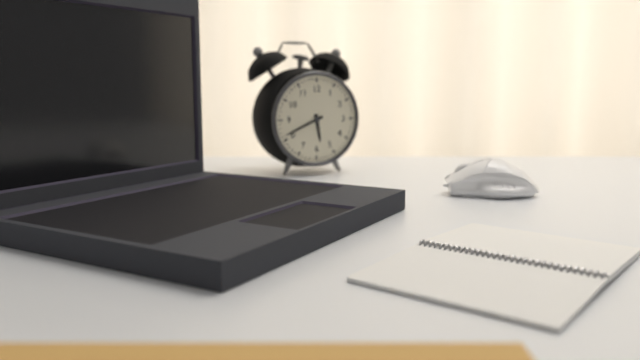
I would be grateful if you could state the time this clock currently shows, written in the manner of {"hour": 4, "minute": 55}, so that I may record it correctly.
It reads {"hour": 5, "minute": 41}
